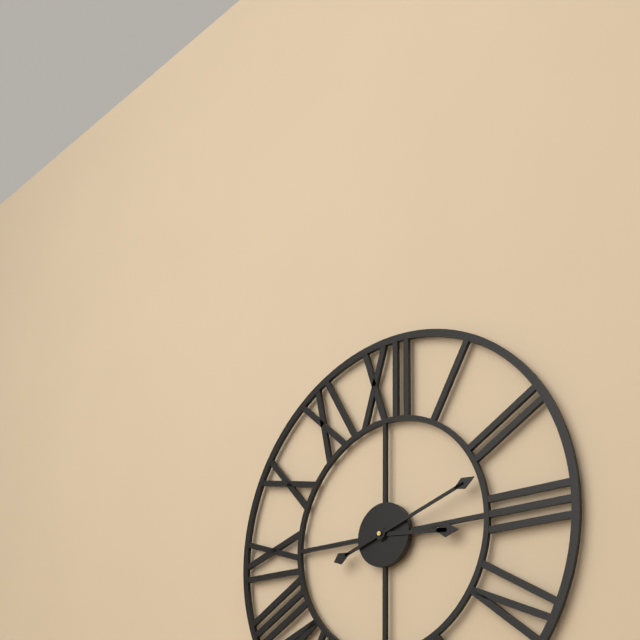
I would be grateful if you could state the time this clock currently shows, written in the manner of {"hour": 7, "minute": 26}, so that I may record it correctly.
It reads {"hour": 3, "minute": 12}
